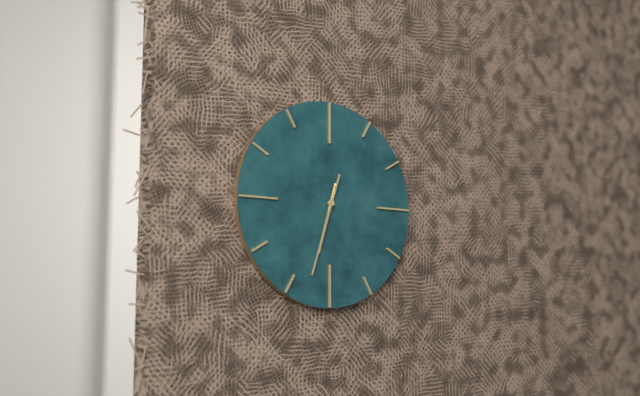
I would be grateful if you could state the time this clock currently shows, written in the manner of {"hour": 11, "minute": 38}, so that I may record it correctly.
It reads {"hour": 6, "minute": 33}
